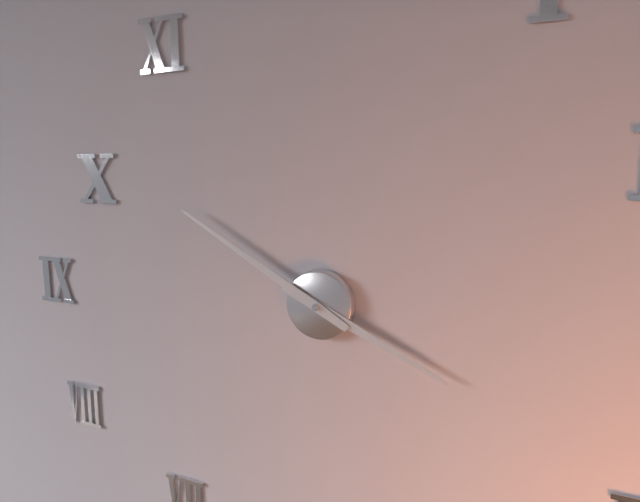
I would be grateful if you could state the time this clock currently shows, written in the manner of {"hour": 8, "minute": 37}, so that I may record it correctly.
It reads {"hour": 3, "minute": 50}
